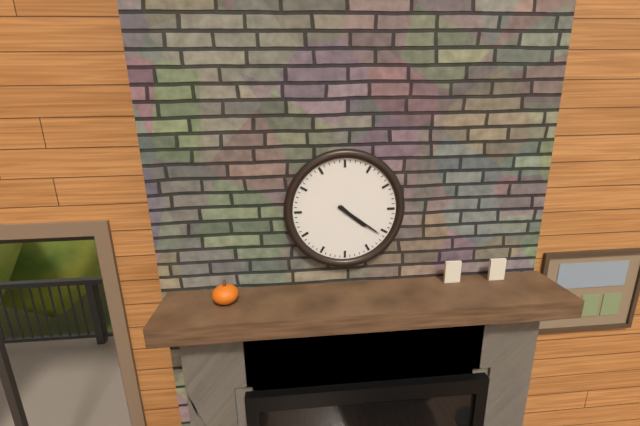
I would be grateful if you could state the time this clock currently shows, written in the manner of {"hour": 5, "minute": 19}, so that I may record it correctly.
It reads {"hour": 4, "minute": 21}
